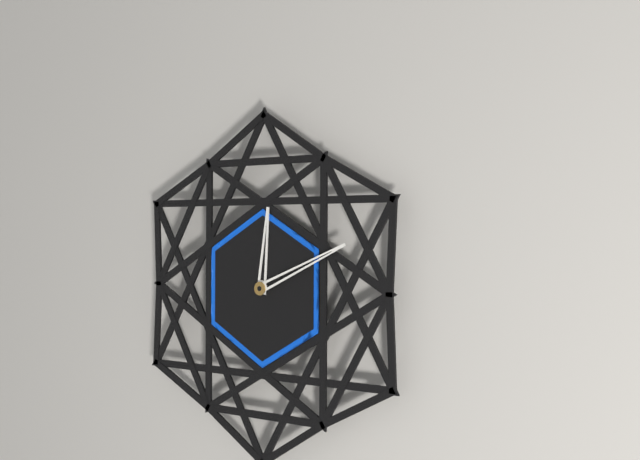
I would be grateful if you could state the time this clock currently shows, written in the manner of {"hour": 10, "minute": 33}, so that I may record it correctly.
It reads {"hour": 12, "minute": 11}
